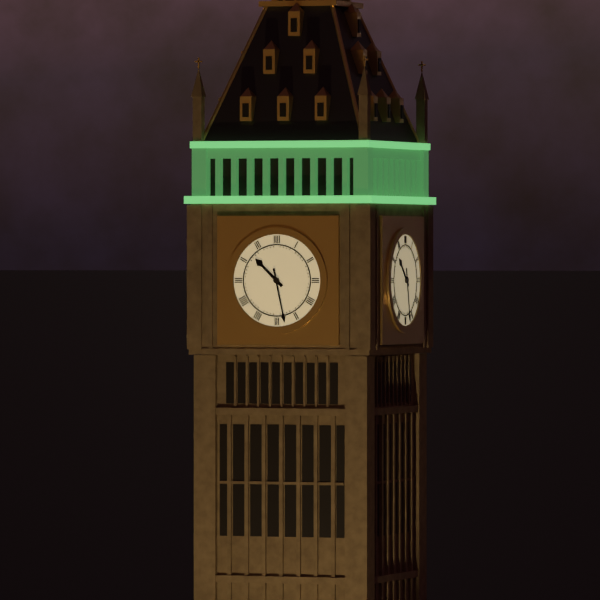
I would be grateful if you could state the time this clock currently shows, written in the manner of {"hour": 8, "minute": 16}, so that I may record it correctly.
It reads {"hour": 10, "minute": 28}
